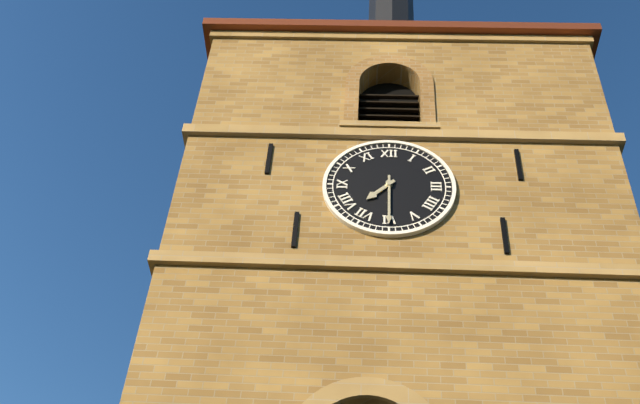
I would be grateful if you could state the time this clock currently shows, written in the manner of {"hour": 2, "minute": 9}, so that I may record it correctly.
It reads {"hour": 7, "minute": 30}
